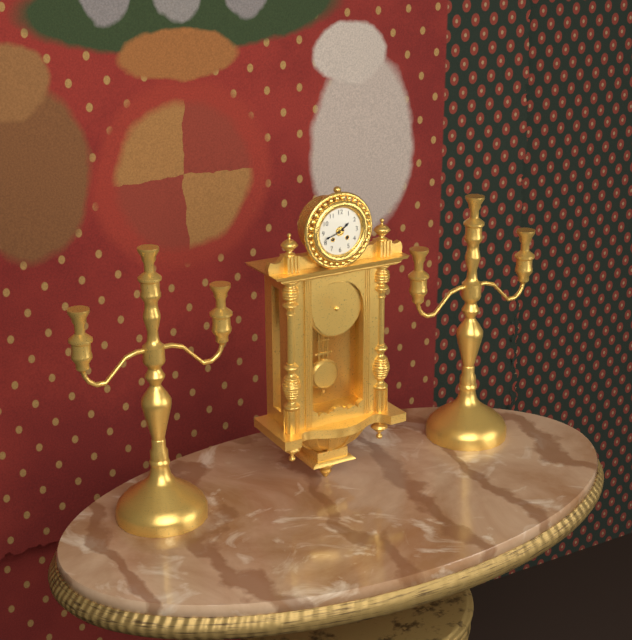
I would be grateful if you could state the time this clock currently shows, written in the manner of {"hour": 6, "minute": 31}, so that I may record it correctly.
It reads {"hour": 1, "minute": 42}
